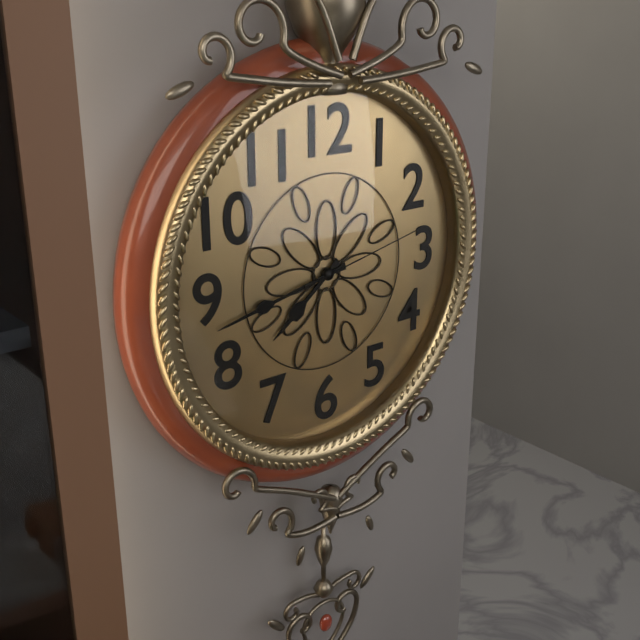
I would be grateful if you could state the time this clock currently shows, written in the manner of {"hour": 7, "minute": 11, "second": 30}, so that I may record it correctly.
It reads {"hour": 7, "minute": 43, "second": 13}
